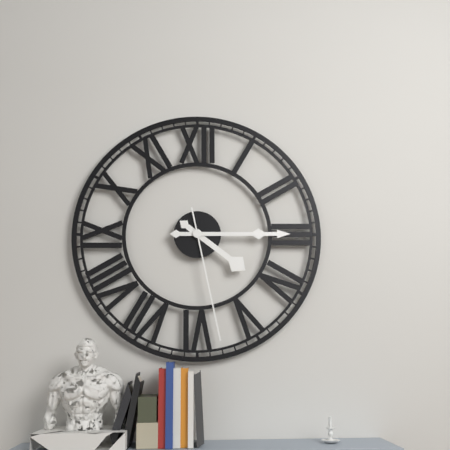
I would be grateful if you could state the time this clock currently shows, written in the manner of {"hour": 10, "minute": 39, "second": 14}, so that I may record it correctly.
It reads {"hour": 4, "minute": 15, "second": 28}
